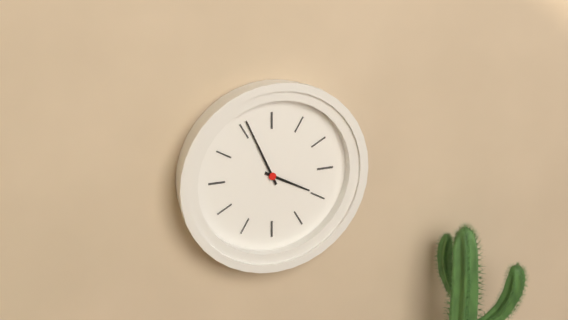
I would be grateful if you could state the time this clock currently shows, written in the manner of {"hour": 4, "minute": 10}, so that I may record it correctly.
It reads {"hour": 3, "minute": 56}
